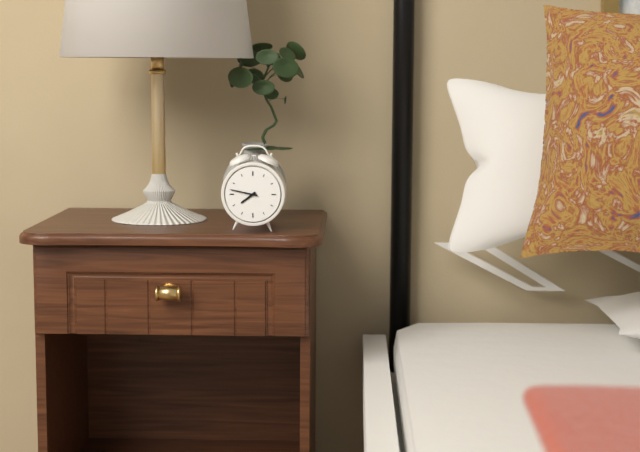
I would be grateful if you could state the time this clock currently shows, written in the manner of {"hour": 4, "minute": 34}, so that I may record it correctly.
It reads {"hour": 7, "minute": 47}
